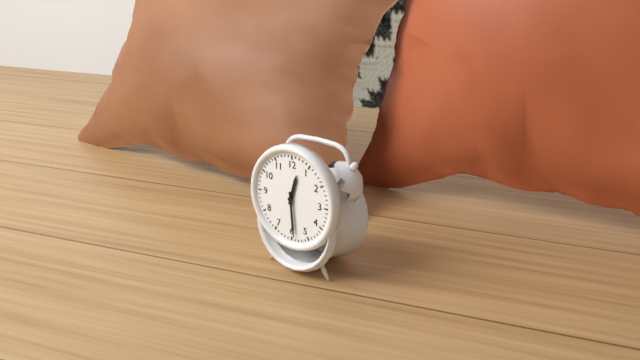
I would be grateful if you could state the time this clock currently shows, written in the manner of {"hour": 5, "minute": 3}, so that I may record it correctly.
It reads {"hour": 12, "minute": 29}
